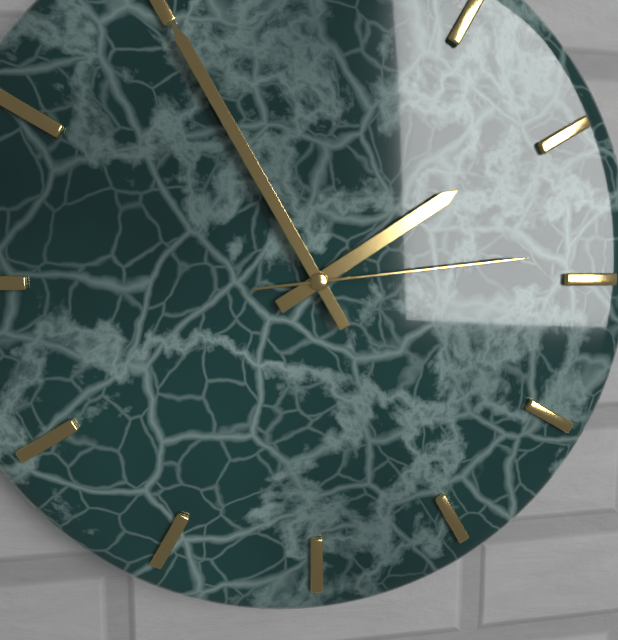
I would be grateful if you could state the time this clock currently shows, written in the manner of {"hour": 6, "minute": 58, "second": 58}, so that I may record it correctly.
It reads {"hour": 1, "minute": 55, "second": 14}
